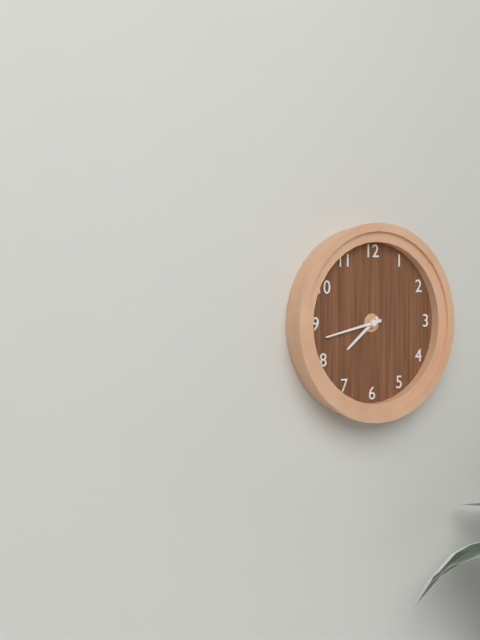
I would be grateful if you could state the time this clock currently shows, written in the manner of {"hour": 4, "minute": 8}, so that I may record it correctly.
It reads {"hour": 7, "minute": 43}
